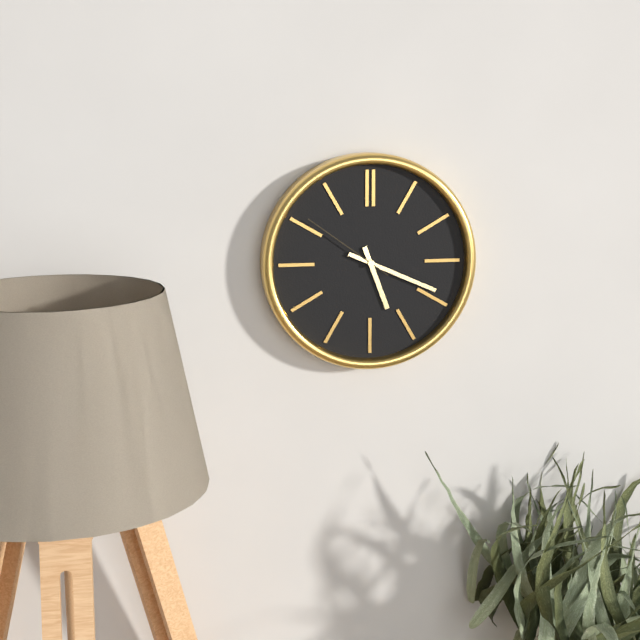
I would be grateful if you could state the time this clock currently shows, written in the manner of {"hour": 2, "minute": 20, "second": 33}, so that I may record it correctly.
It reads {"hour": 5, "minute": 19, "second": 51}
